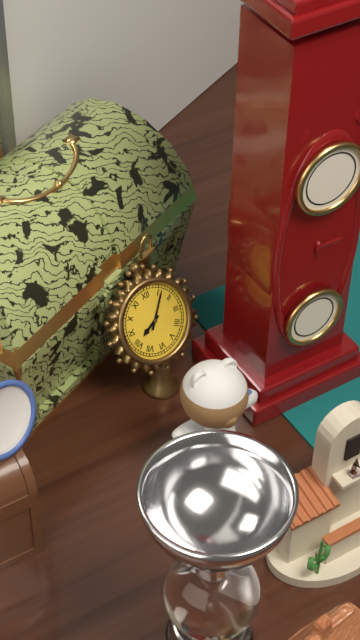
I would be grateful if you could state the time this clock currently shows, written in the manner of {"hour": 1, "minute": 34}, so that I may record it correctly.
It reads {"hour": 8, "minute": 6}
